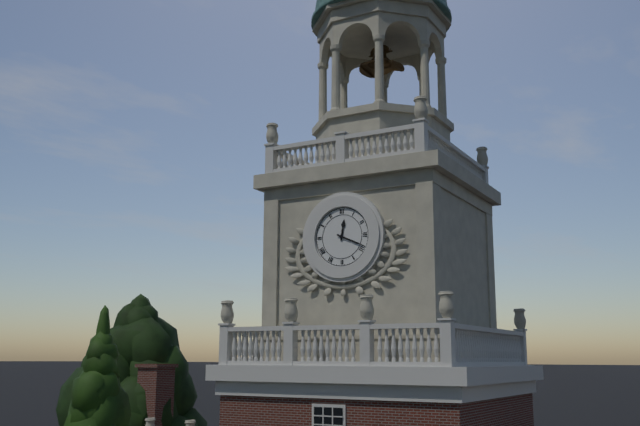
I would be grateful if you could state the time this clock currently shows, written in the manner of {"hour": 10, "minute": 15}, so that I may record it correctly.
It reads {"hour": 12, "minute": 19}
